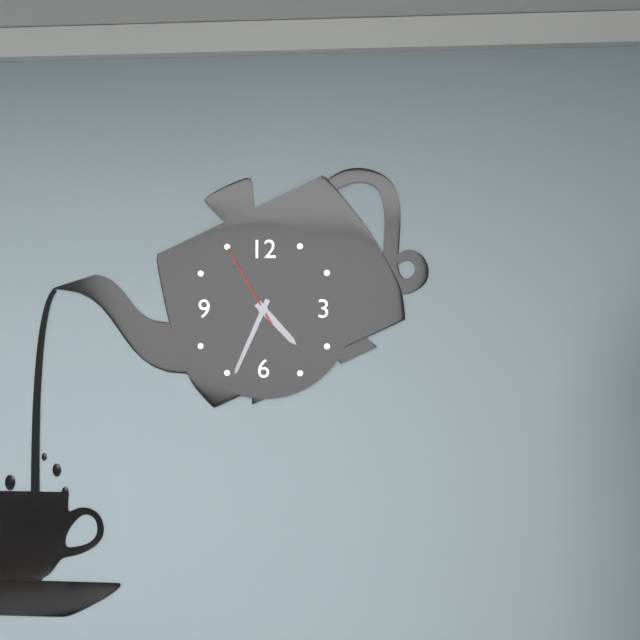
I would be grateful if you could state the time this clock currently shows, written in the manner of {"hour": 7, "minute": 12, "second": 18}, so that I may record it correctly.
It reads {"hour": 4, "minute": 34, "second": 55}
